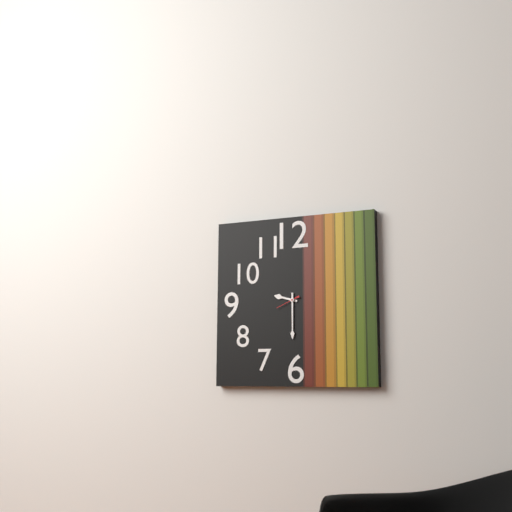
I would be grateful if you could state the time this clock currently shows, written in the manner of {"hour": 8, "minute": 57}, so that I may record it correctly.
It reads {"hour": 9, "minute": 30}
